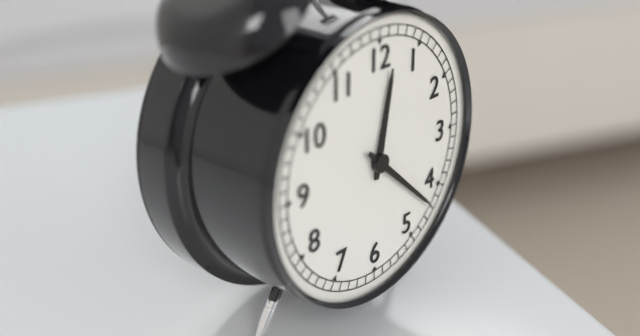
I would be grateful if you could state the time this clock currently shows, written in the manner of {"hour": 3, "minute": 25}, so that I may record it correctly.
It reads {"hour": 12, "minute": 22}
